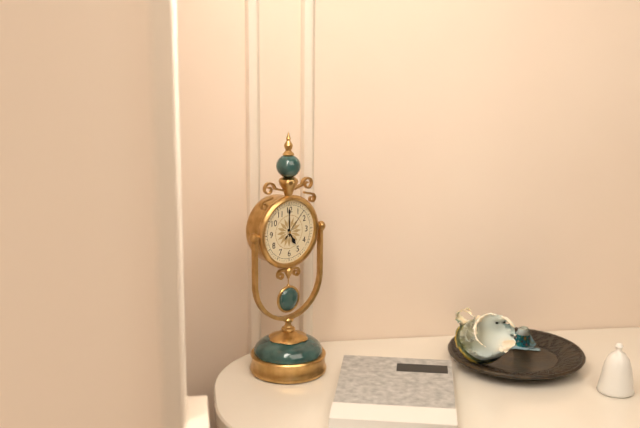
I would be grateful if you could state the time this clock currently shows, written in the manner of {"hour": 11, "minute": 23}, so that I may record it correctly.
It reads {"hour": 5, "minute": 0}
